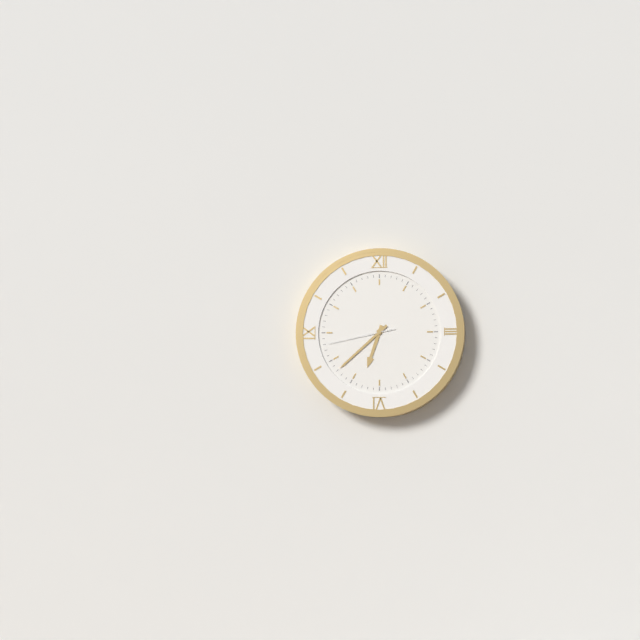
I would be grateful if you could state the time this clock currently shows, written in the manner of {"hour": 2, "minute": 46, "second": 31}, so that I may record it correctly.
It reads {"hour": 6, "minute": 38, "second": 43}
